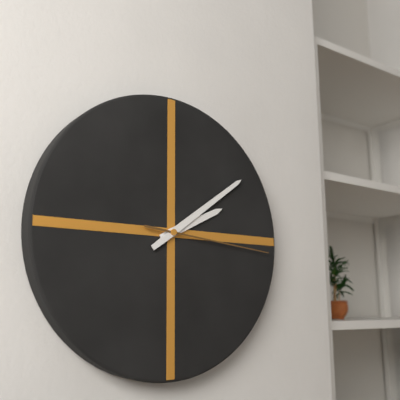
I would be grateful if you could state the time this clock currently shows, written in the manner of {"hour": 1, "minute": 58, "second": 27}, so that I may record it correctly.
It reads {"hour": 2, "minute": 9, "second": 16}
